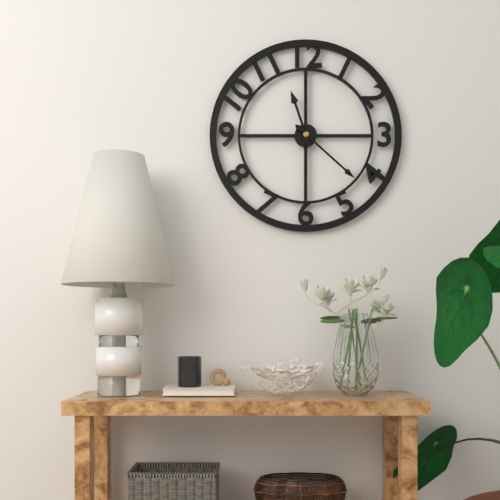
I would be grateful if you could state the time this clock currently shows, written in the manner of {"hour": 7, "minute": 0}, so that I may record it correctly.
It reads {"hour": 11, "minute": 22}
